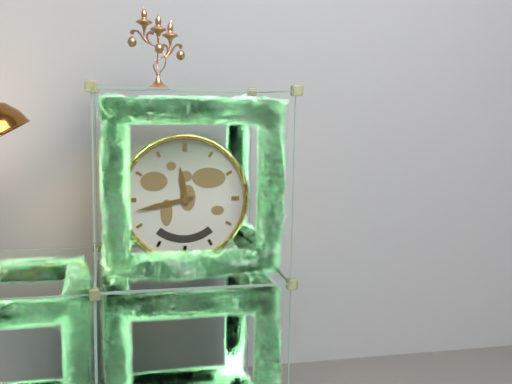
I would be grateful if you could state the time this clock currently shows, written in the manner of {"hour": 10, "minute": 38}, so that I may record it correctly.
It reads {"hour": 11, "minute": 43}
